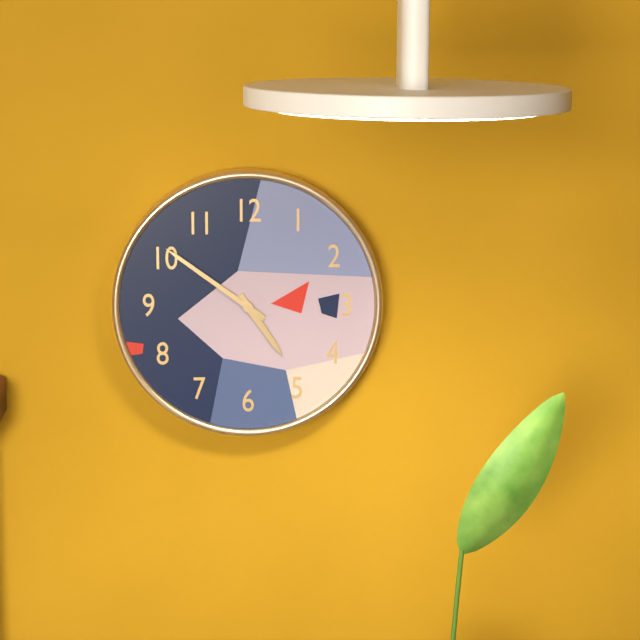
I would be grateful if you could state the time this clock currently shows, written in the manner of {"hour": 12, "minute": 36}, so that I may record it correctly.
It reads {"hour": 4, "minute": 51}
